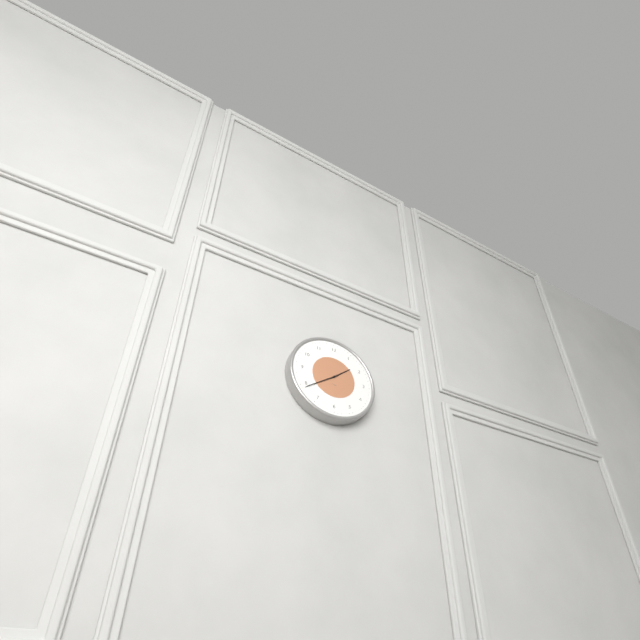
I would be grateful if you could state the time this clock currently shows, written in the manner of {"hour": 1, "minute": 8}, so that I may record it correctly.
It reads {"hour": 1, "minute": 39}
